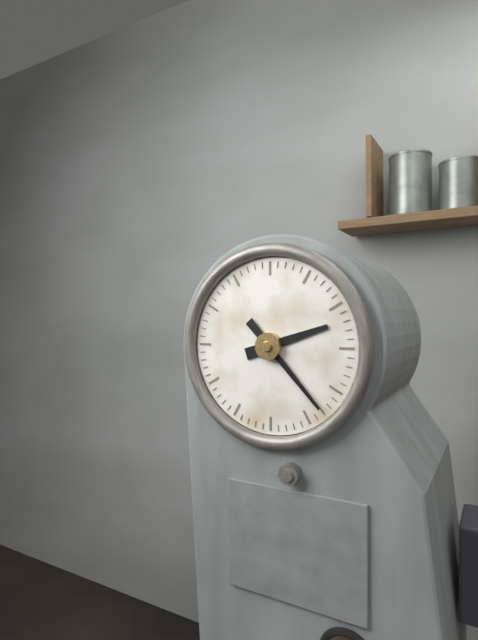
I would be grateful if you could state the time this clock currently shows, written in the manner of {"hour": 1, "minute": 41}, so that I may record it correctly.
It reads {"hour": 2, "minute": 23}
